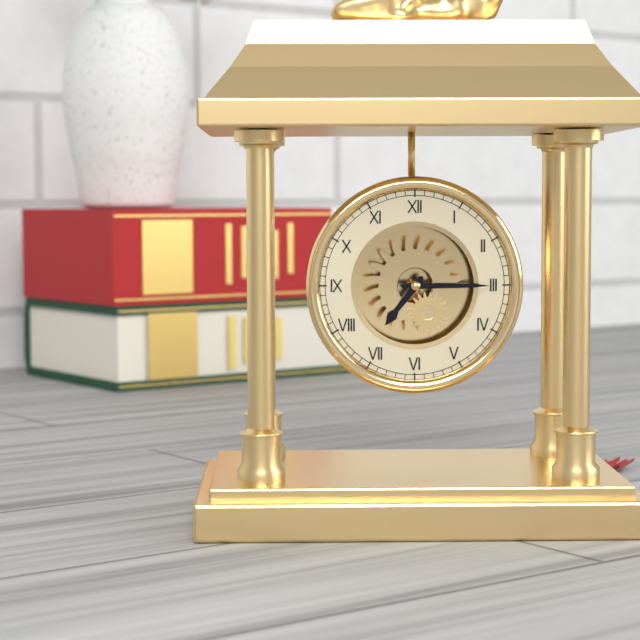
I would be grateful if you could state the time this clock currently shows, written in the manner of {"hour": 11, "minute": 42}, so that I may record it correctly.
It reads {"hour": 7, "minute": 15}
